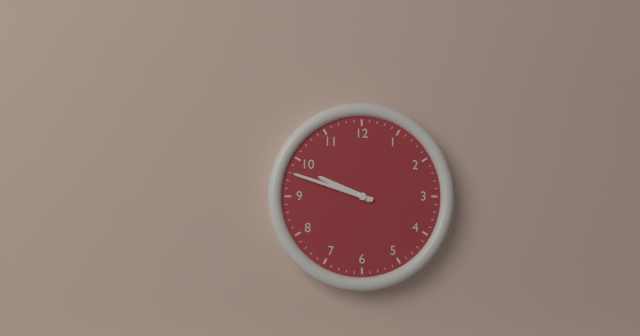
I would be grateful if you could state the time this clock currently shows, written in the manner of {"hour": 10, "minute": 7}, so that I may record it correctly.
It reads {"hour": 9, "minute": 48}
